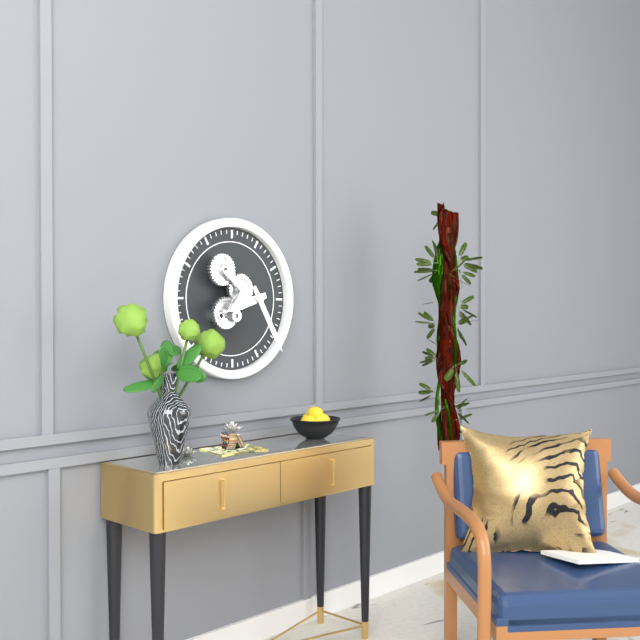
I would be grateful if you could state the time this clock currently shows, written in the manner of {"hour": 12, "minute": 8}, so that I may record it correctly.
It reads {"hour": 8, "minute": 25}
